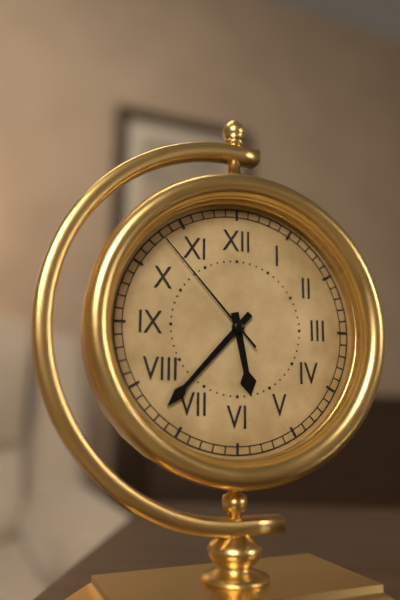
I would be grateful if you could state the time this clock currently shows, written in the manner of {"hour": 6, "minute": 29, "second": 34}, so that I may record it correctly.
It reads {"hour": 5, "minute": 37, "second": 53}
